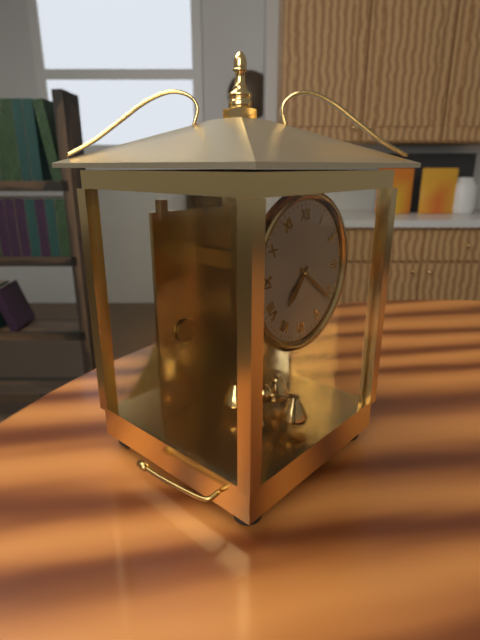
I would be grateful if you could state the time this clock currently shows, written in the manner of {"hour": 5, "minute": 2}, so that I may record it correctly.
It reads {"hour": 7, "minute": 21}
